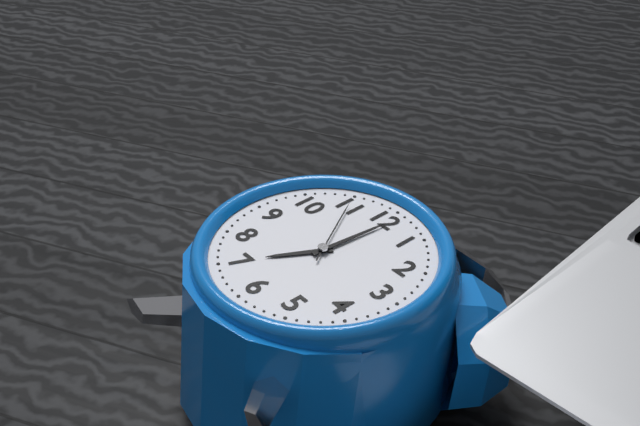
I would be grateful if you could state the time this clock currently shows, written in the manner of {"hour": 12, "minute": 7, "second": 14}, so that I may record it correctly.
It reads {"hour": 7, "minute": 1, "second": 55}
